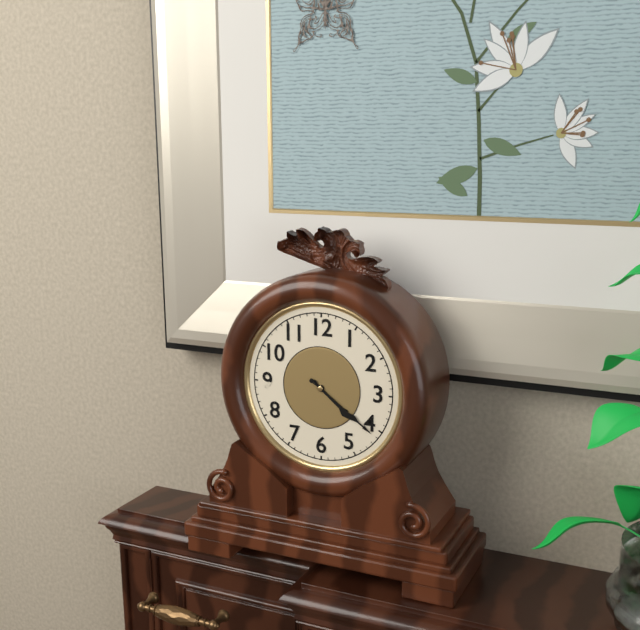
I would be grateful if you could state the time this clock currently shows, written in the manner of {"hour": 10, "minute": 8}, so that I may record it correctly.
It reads {"hour": 4, "minute": 21}
